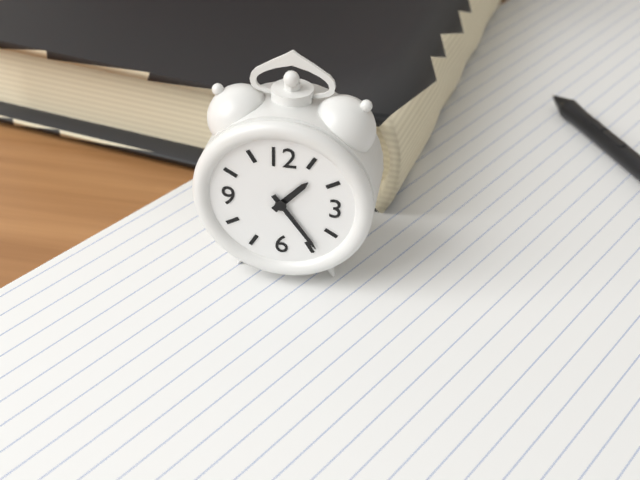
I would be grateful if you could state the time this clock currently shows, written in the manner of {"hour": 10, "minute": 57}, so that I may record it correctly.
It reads {"hour": 1, "minute": 24}
